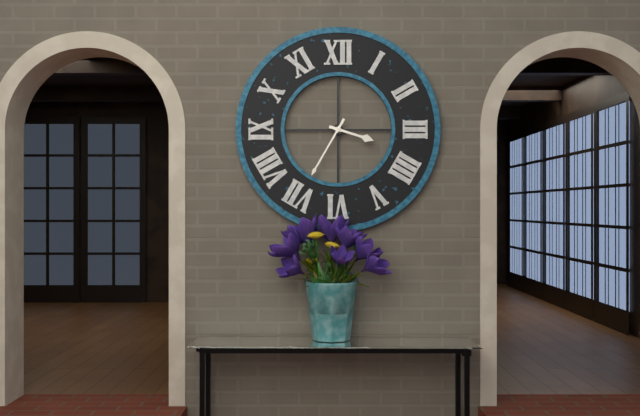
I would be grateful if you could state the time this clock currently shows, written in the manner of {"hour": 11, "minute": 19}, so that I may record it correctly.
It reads {"hour": 3, "minute": 35}
